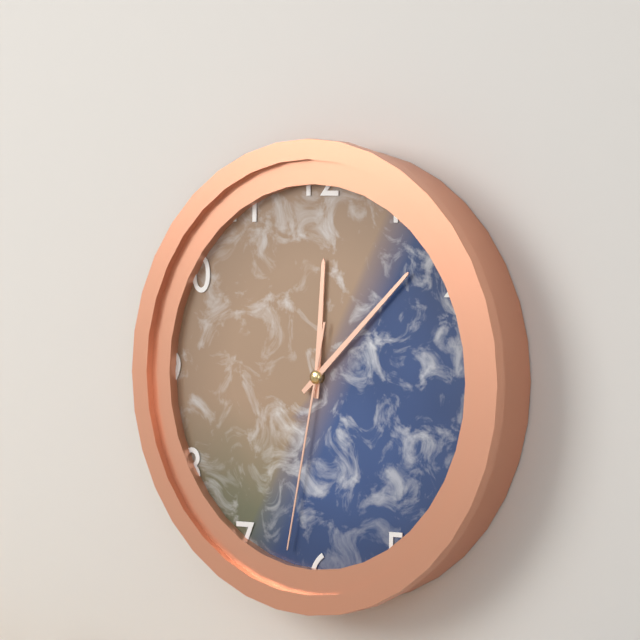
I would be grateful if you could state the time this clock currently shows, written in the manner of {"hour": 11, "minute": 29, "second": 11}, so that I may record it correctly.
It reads {"hour": 12, "minute": 8, "second": 32}
